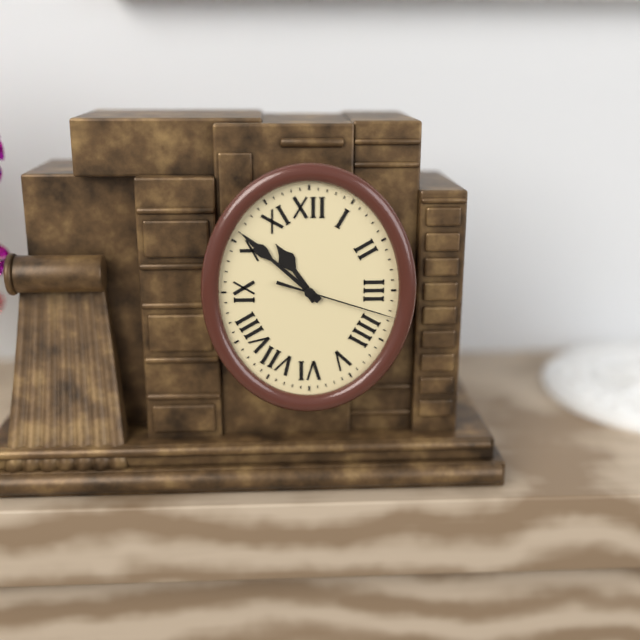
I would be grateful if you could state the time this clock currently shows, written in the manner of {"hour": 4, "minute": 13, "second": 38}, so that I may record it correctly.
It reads {"hour": 10, "minute": 52, "second": 18}
